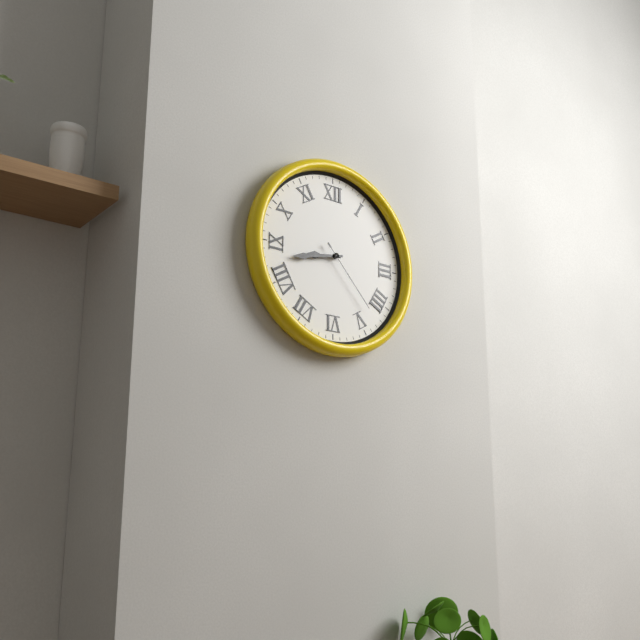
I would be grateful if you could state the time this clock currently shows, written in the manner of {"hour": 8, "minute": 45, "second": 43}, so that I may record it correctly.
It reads {"hour": 8, "minute": 43, "second": 23}
